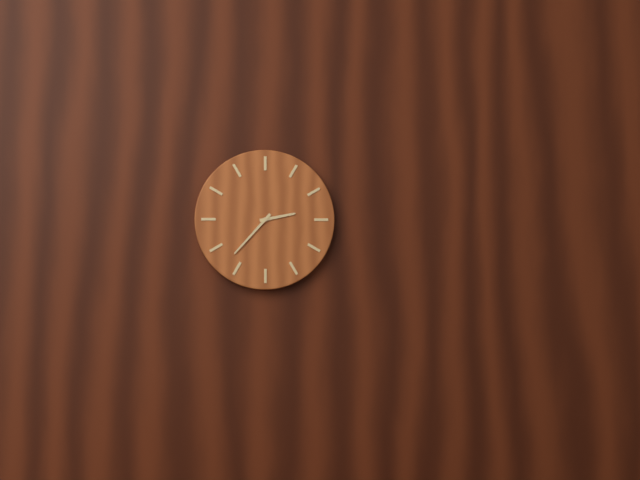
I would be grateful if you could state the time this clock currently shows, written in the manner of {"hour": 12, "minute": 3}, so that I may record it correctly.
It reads {"hour": 2, "minute": 37}
